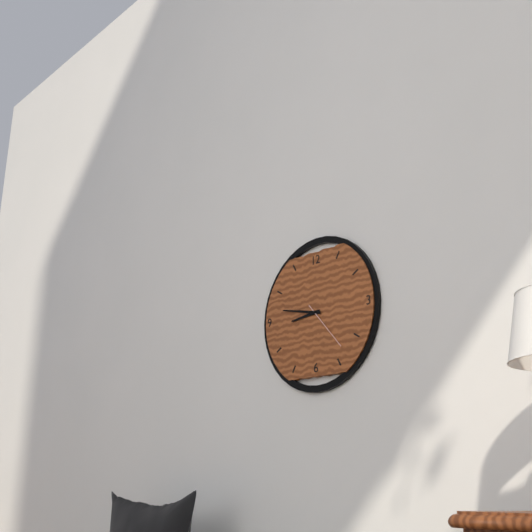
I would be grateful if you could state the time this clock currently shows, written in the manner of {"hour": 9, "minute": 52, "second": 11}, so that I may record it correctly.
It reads {"hour": 8, "minute": 47, "second": 23}
